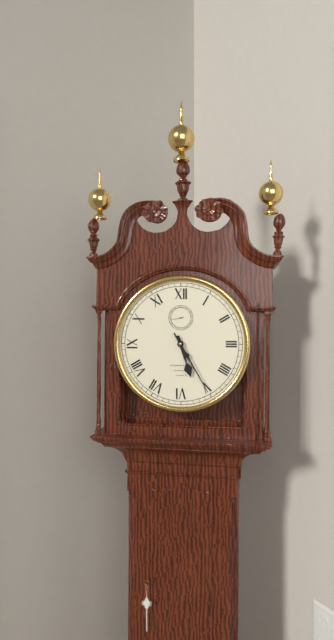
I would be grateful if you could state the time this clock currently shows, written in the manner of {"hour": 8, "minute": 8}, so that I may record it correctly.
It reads {"hour": 5, "minute": 25}
